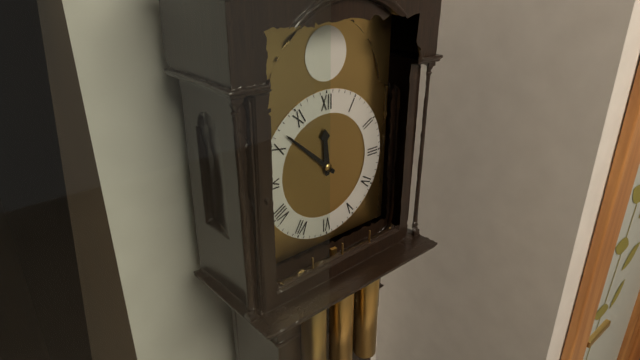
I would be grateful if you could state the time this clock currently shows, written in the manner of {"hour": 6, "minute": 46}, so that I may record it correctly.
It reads {"hour": 11, "minute": 52}
